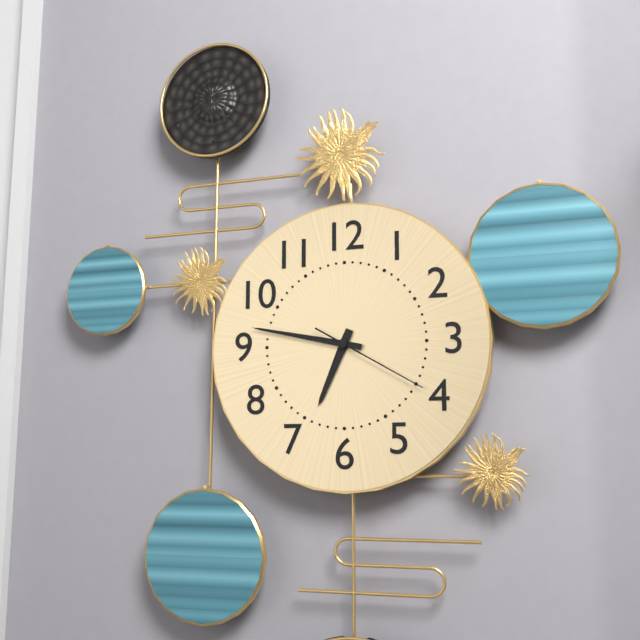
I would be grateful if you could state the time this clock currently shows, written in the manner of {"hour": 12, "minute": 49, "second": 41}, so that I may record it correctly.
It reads {"hour": 6, "minute": 47, "second": 20}
